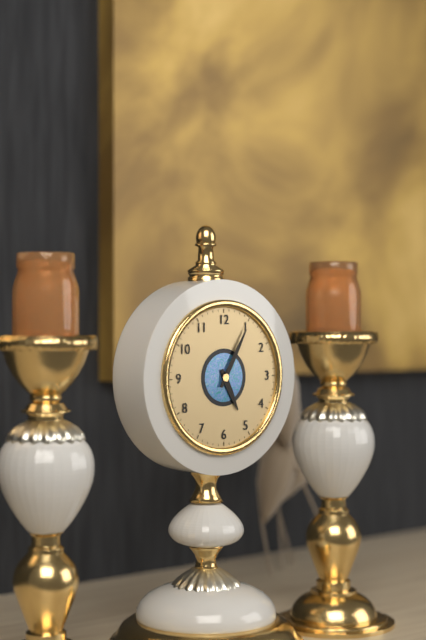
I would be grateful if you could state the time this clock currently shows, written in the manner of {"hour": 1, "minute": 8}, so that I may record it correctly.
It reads {"hour": 5, "minute": 5}
